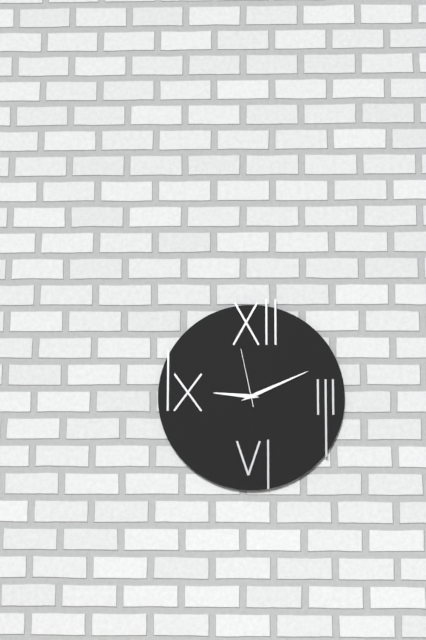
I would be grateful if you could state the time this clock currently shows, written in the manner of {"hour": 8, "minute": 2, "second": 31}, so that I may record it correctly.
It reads {"hour": 9, "minute": 11, "second": 58}
